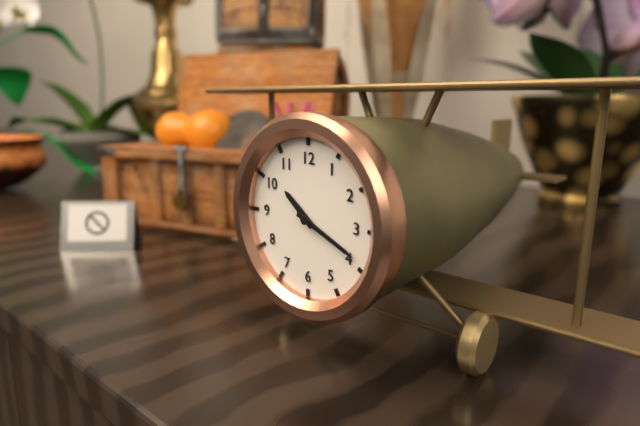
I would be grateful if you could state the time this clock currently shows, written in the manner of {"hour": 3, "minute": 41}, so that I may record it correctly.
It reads {"hour": 10, "minute": 19}
